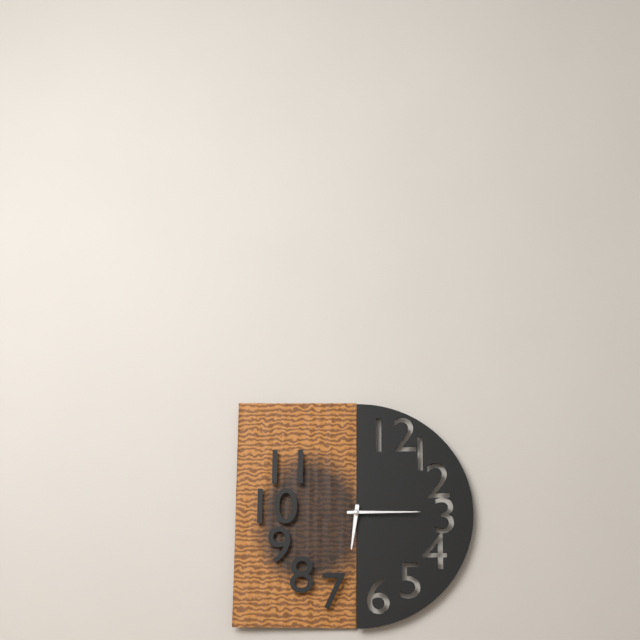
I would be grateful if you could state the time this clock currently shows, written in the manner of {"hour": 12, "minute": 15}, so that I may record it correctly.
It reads {"hour": 6, "minute": 15}
